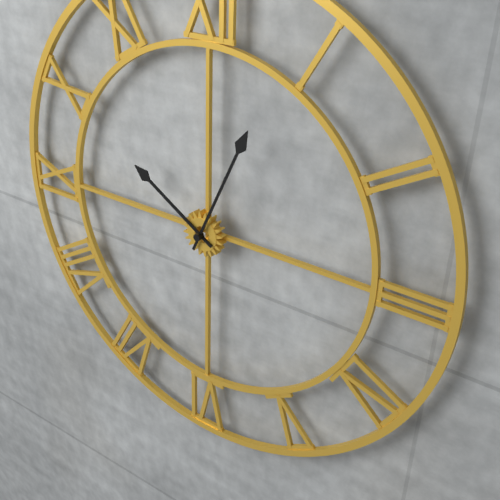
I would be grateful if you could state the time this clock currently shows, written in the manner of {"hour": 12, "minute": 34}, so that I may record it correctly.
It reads {"hour": 10, "minute": 4}
